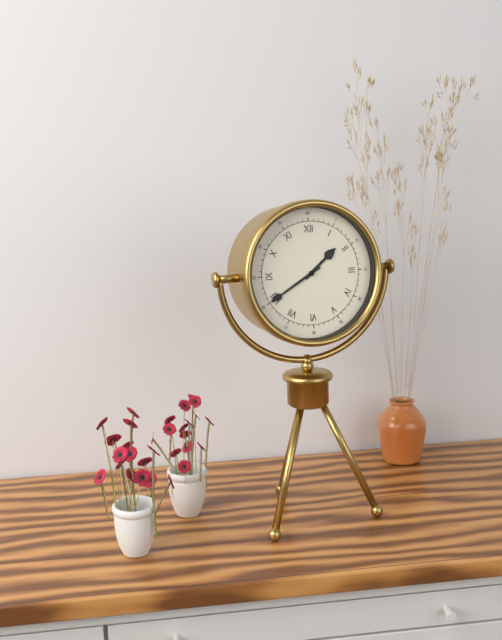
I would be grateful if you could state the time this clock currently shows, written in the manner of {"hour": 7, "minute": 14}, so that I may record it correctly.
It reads {"hour": 1, "minute": 40}
